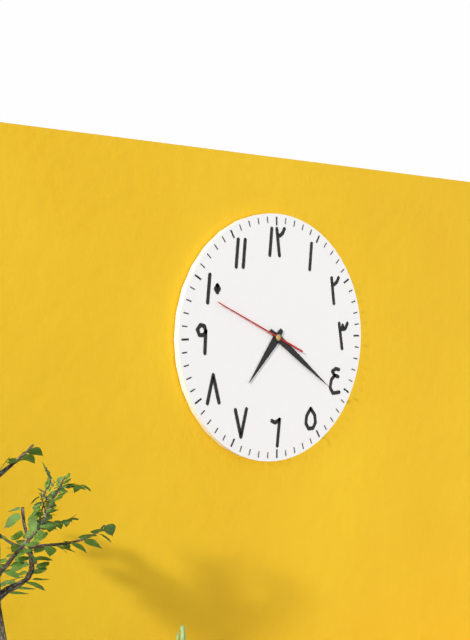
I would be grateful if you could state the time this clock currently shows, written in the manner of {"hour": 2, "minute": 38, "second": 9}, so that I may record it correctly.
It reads {"hour": 7, "minute": 21, "second": 49}
